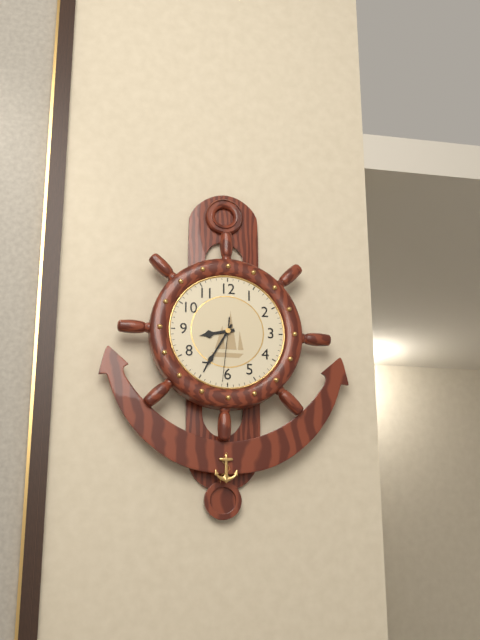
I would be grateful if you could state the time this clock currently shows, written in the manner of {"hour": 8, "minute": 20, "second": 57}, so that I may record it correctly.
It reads {"hour": 8, "minute": 35, "second": 31}
